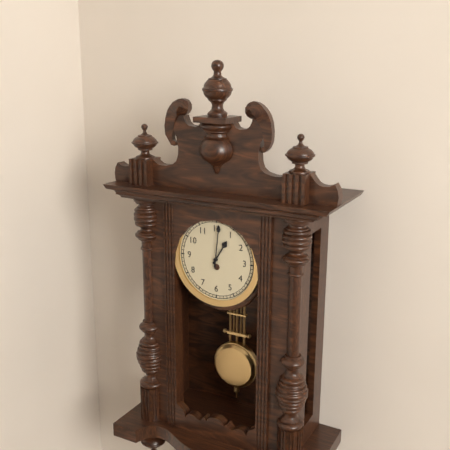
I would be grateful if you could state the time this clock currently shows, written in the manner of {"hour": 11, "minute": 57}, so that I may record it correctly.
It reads {"hour": 1, "minute": 1}
